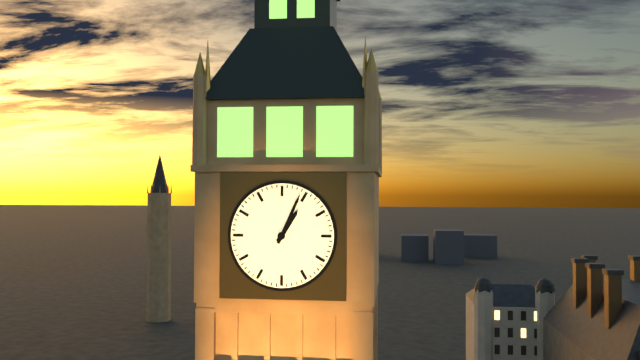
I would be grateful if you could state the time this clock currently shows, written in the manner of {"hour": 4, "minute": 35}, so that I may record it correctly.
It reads {"hour": 1, "minute": 4}
